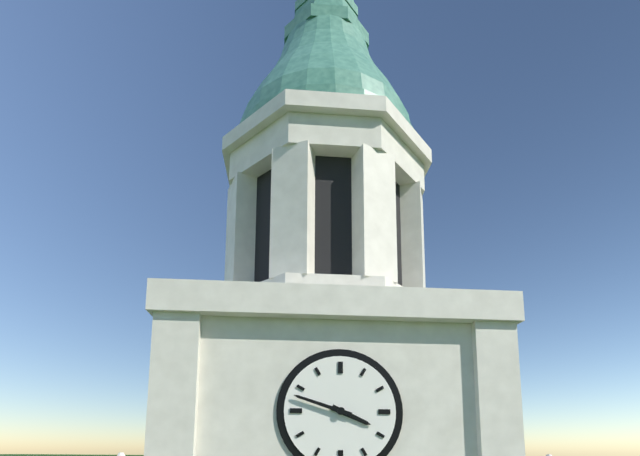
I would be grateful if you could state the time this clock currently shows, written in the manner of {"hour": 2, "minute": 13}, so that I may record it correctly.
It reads {"hour": 3, "minute": 48}
